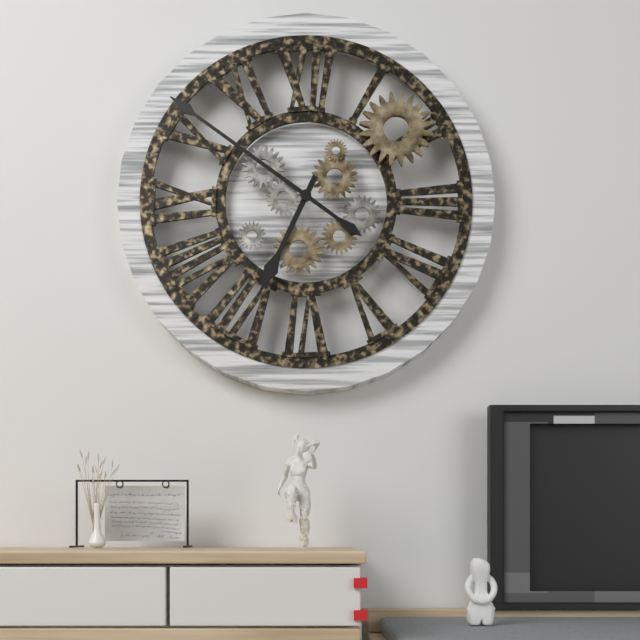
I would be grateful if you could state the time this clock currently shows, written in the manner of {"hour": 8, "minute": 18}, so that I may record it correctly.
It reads {"hour": 6, "minute": 51}
